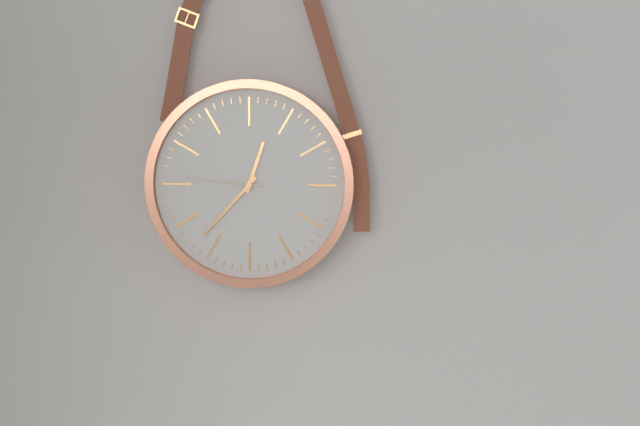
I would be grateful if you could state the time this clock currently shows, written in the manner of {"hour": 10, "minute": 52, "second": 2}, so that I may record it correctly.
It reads {"hour": 12, "minute": 37, "second": 46}
